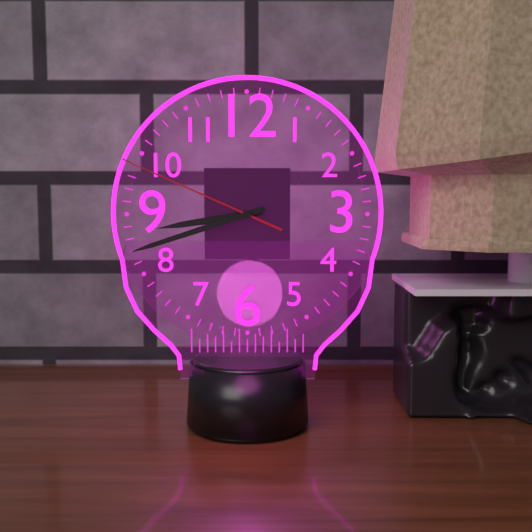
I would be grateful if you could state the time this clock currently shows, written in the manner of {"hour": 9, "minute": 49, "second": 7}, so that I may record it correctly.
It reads {"hour": 8, "minute": 42, "second": 49}
